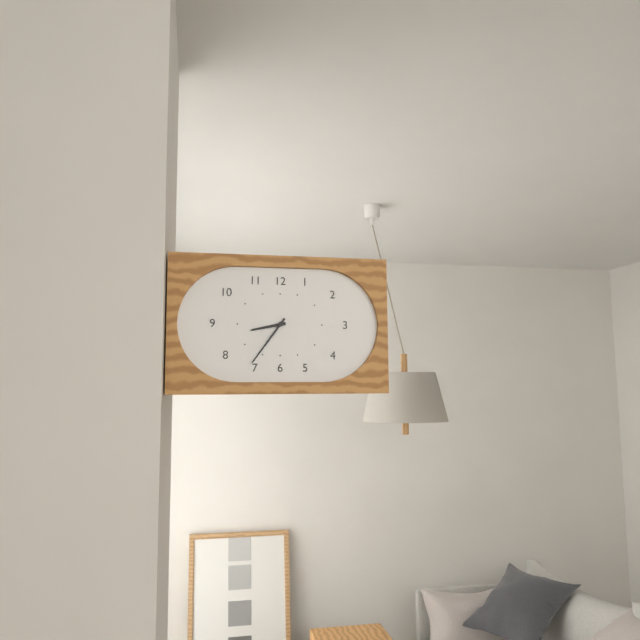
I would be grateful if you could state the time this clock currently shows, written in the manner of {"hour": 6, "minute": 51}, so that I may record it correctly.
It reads {"hour": 8, "minute": 36}
